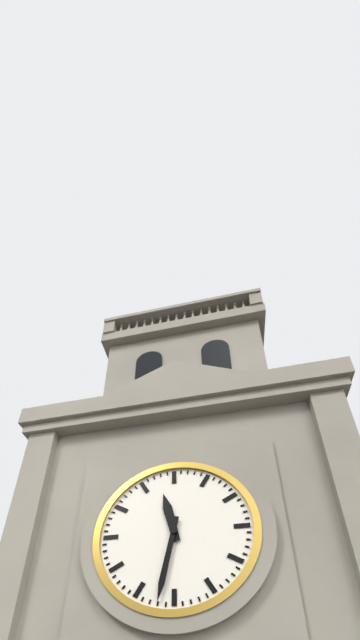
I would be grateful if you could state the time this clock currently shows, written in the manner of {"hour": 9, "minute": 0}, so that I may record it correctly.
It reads {"hour": 11, "minute": 32}
